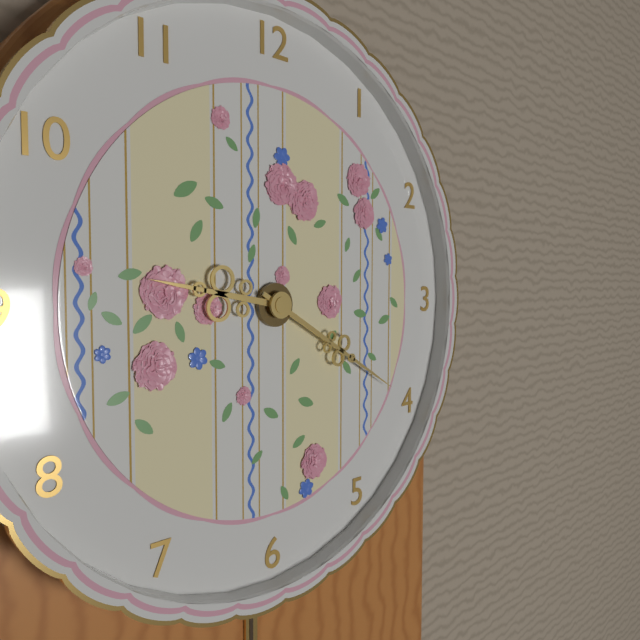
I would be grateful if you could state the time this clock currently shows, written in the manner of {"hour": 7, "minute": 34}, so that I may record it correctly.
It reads {"hour": 9, "minute": 20}
